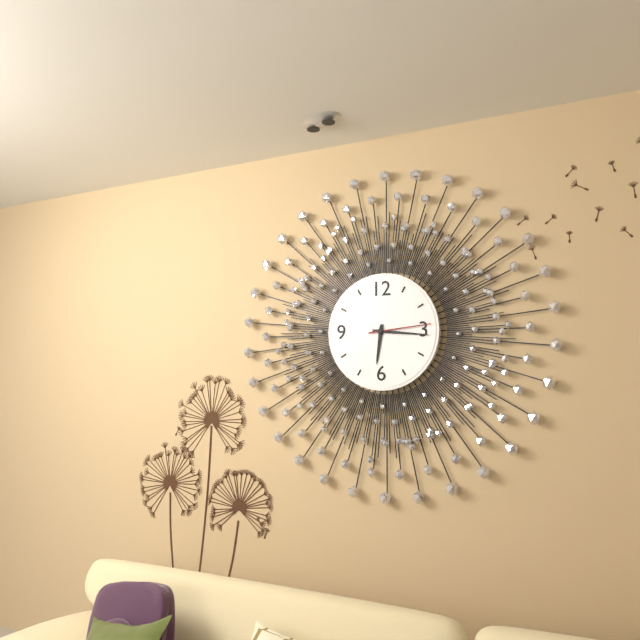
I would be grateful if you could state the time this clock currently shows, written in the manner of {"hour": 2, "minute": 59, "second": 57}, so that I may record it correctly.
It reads {"hour": 6, "minute": 16, "second": 14}
